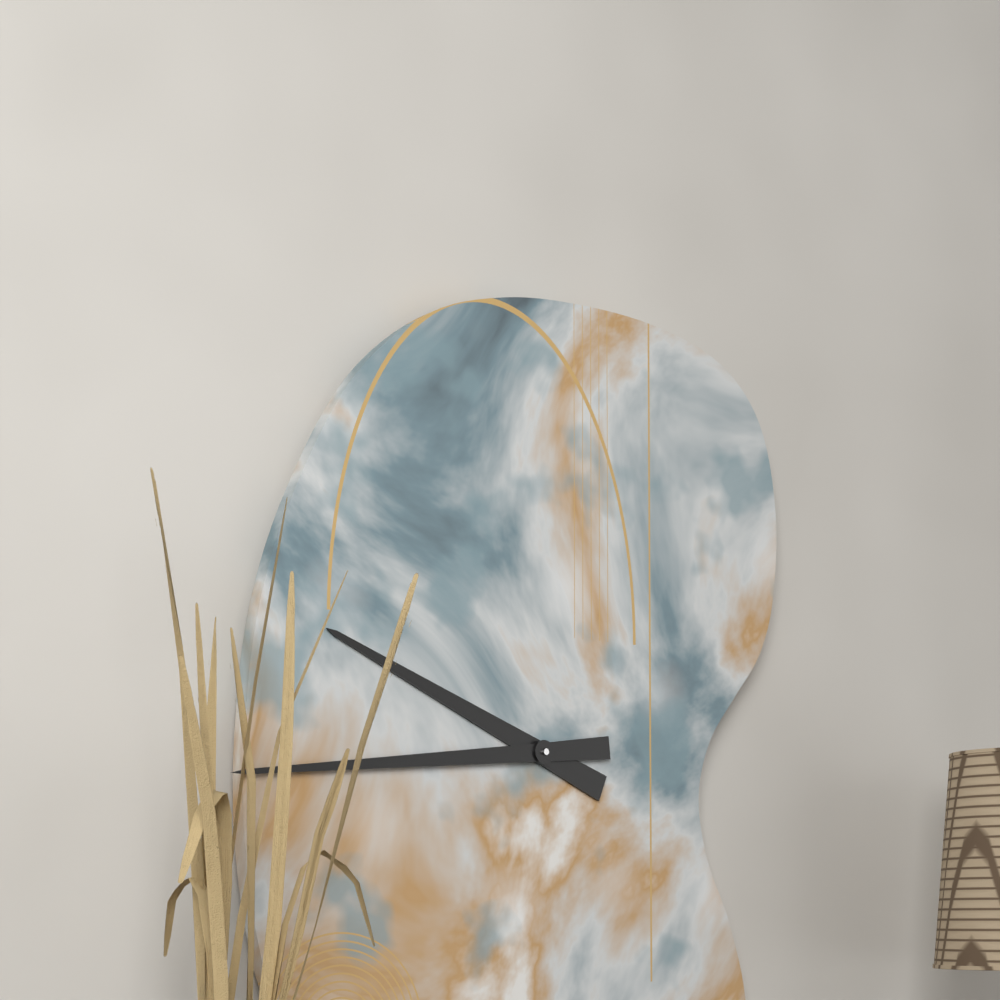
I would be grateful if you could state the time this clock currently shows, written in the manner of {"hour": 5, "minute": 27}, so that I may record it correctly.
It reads {"hour": 9, "minute": 44}
